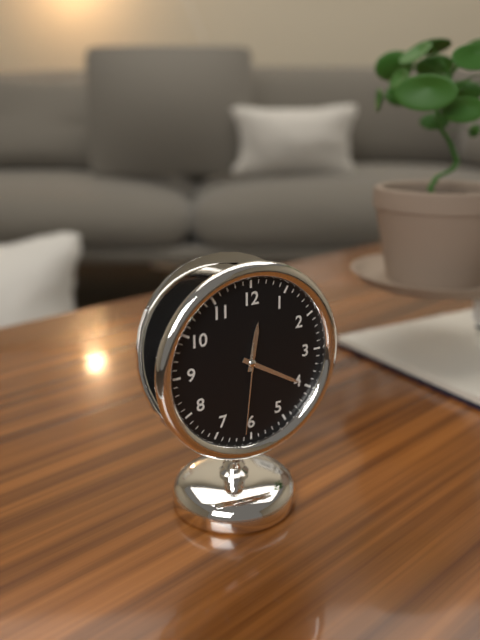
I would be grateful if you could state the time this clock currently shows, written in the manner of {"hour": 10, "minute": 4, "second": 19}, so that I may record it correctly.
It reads {"hour": 12, "minute": 20, "second": 31}
